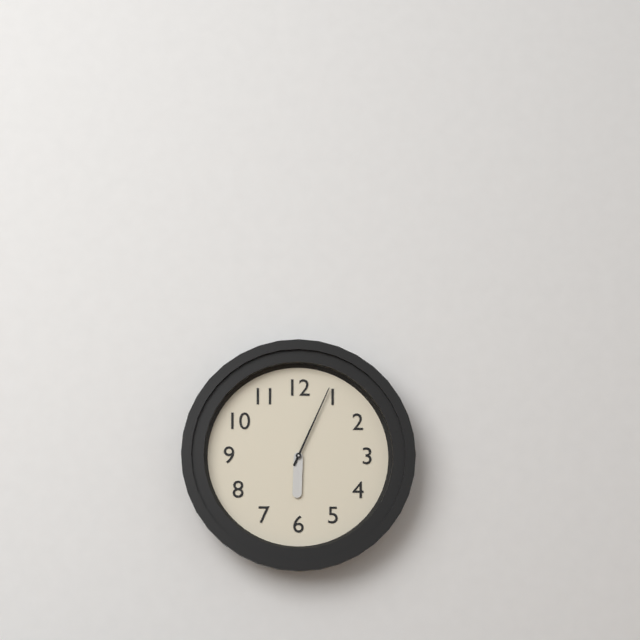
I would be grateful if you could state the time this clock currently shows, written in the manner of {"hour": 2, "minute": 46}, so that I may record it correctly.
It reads {"hour": 6, "minute": 4}
